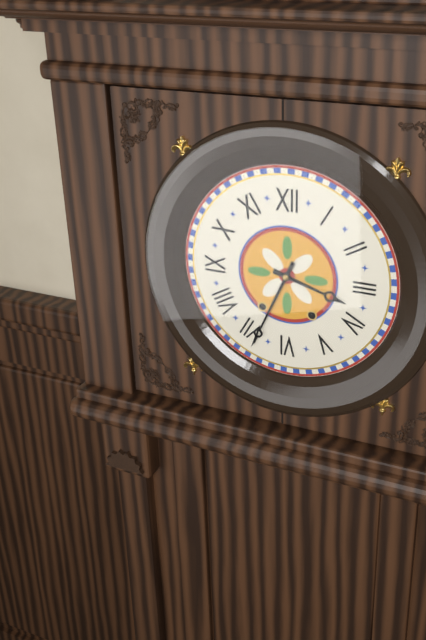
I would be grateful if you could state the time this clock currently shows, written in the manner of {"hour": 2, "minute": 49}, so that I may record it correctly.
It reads {"hour": 3, "minute": 34}
